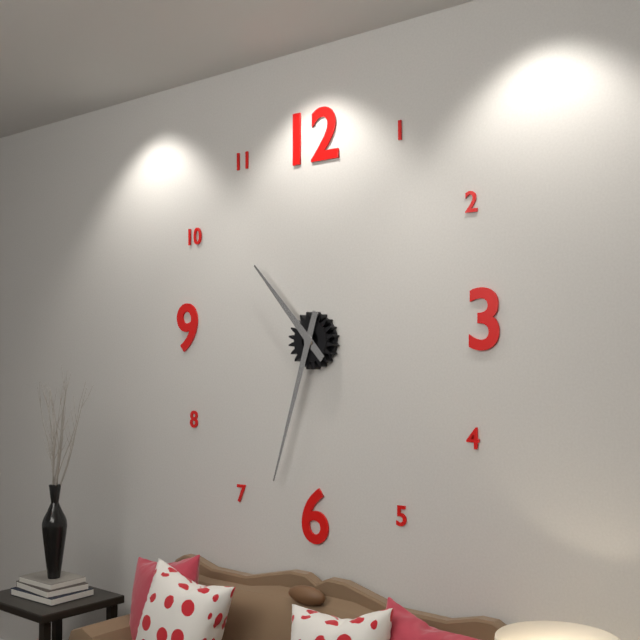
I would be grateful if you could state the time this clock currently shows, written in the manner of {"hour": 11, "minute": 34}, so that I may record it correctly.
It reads {"hour": 10, "minute": 33}
